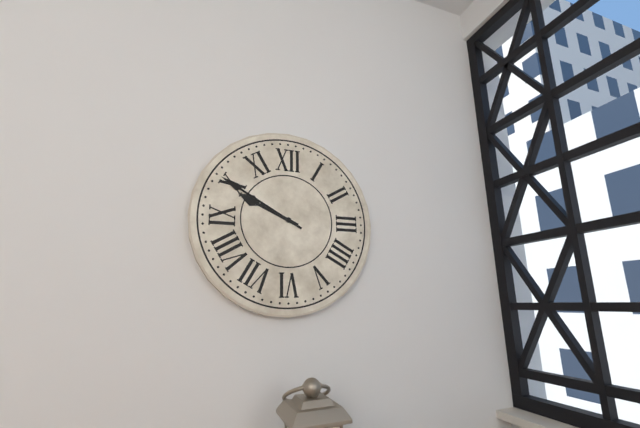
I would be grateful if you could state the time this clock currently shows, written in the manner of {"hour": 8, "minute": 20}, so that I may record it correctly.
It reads {"hour": 9, "minute": 50}
